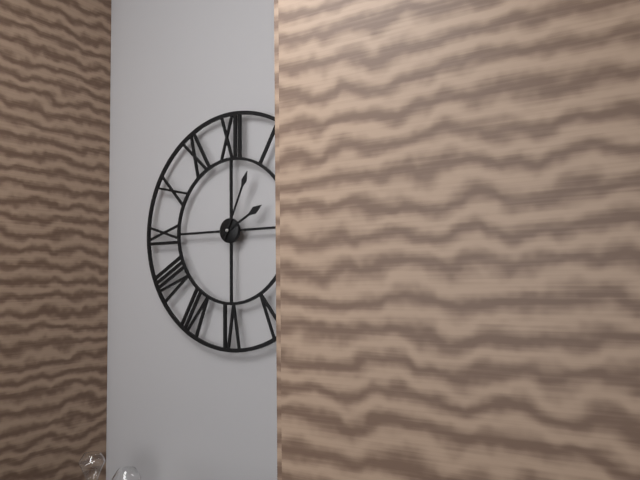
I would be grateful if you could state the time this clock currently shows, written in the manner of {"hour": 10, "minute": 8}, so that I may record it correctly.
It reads {"hour": 2, "minute": 4}
